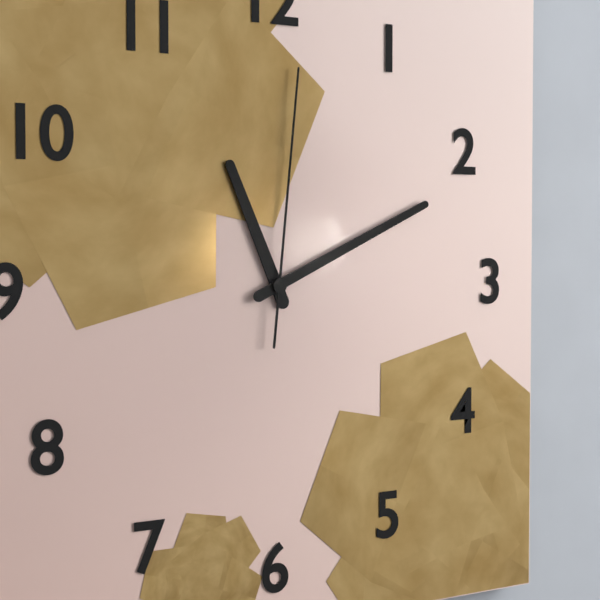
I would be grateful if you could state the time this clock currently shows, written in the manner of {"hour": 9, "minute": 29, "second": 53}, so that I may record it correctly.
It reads {"hour": 11, "minute": 11, "second": 1}
